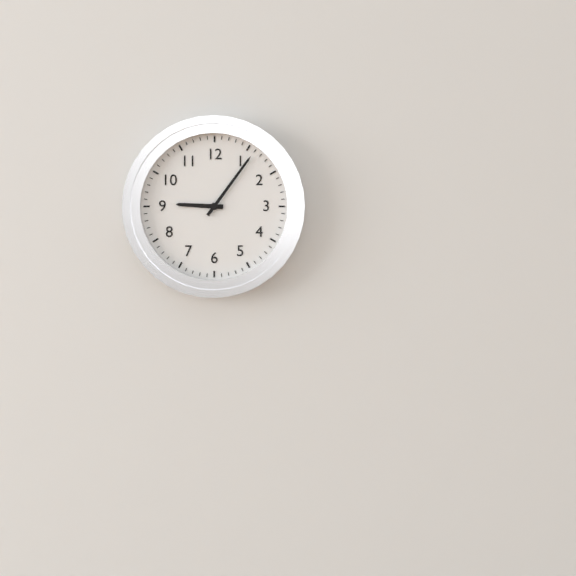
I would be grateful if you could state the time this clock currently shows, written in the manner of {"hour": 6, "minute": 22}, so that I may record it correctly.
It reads {"hour": 9, "minute": 6}
